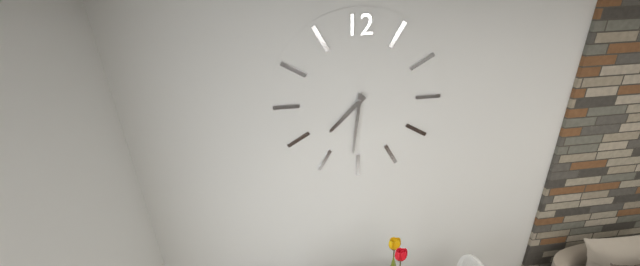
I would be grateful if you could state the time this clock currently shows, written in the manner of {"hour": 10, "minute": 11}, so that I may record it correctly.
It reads {"hour": 7, "minute": 31}
